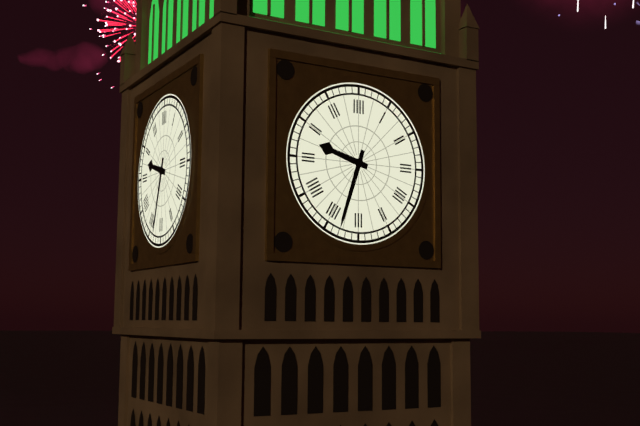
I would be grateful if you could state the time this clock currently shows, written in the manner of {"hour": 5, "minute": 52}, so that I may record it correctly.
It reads {"hour": 9, "minute": 33}
